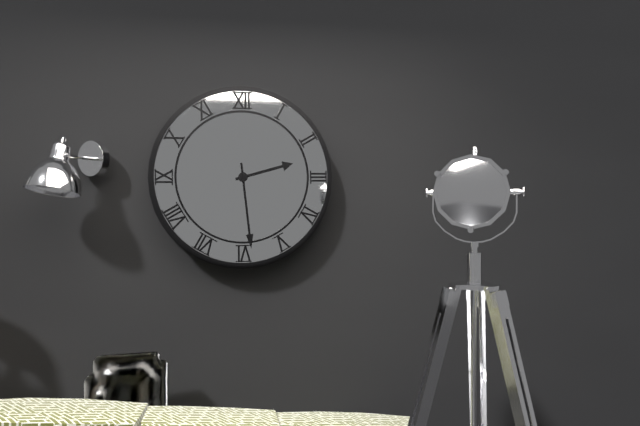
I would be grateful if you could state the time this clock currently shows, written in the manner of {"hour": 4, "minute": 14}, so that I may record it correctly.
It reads {"hour": 2, "minute": 29}
